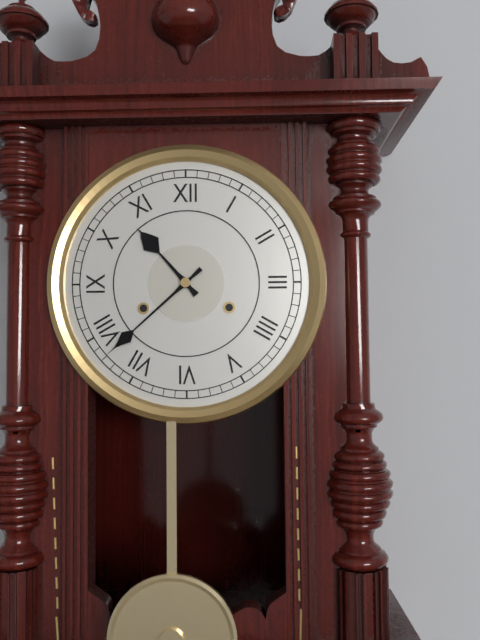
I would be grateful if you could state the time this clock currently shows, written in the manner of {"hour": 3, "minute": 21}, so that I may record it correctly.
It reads {"hour": 10, "minute": 38}
